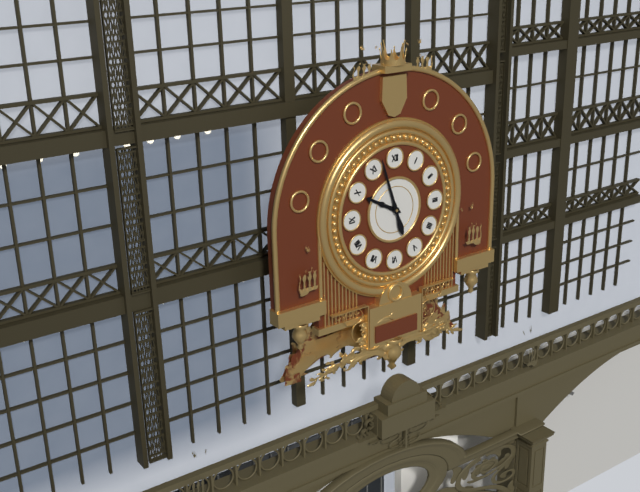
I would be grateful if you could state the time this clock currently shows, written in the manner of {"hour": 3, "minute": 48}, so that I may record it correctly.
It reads {"hour": 9, "minute": 57}
